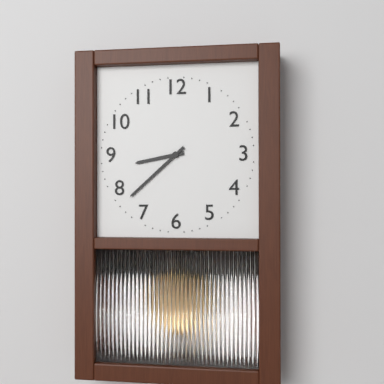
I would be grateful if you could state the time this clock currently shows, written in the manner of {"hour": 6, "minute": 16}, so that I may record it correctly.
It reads {"hour": 8, "minute": 38}
